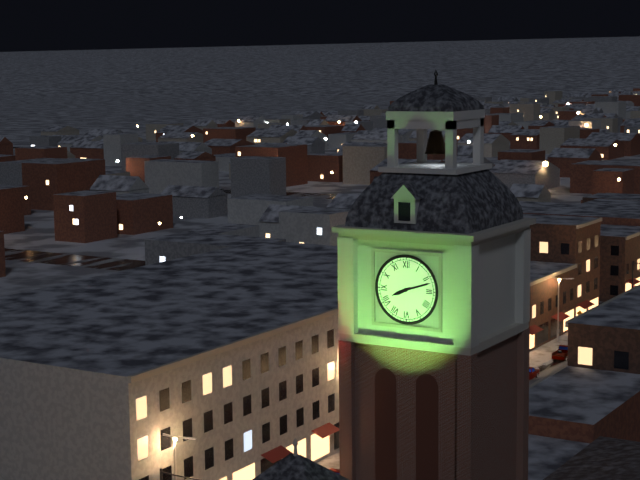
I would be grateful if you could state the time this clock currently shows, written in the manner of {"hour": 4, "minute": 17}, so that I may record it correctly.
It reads {"hour": 8, "minute": 12}
